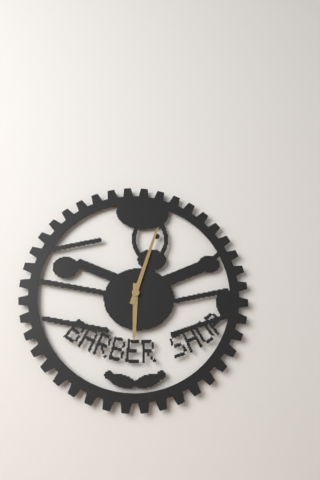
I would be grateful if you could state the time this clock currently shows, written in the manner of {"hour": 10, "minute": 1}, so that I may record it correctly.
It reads {"hour": 6, "minute": 3}
